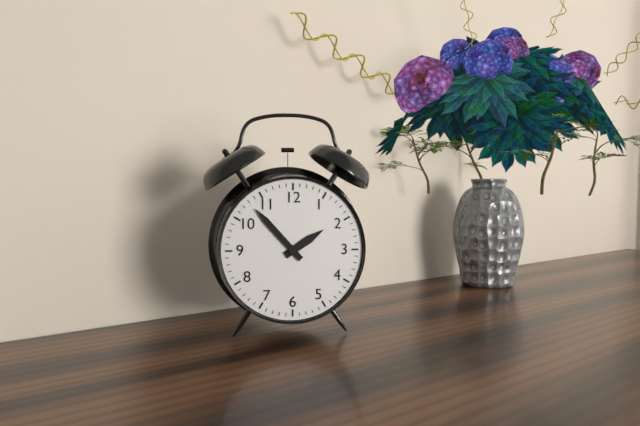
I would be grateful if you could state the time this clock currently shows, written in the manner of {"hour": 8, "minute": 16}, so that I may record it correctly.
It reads {"hour": 1, "minute": 53}
